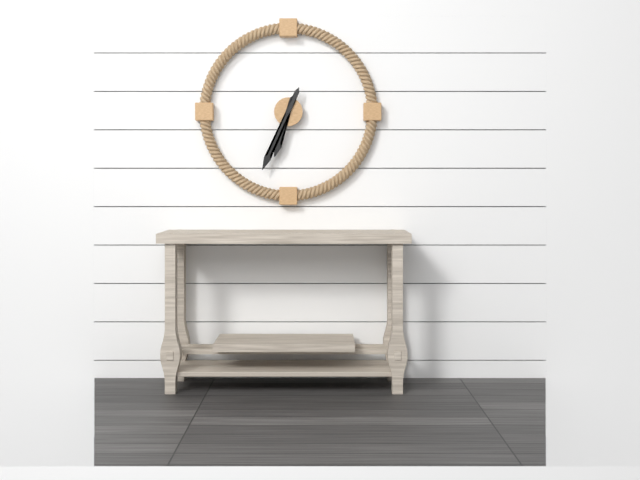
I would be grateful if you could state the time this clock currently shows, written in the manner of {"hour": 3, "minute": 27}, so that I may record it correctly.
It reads {"hour": 6, "minute": 34}
